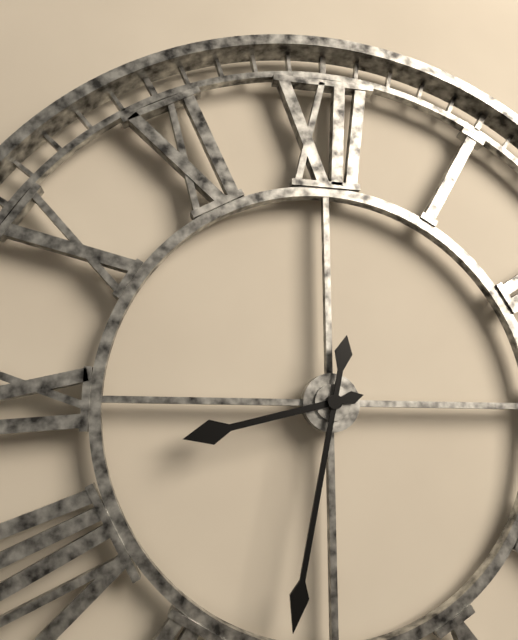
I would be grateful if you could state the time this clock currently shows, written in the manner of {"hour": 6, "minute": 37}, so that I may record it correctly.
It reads {"hour": 8, "minute": 32}
